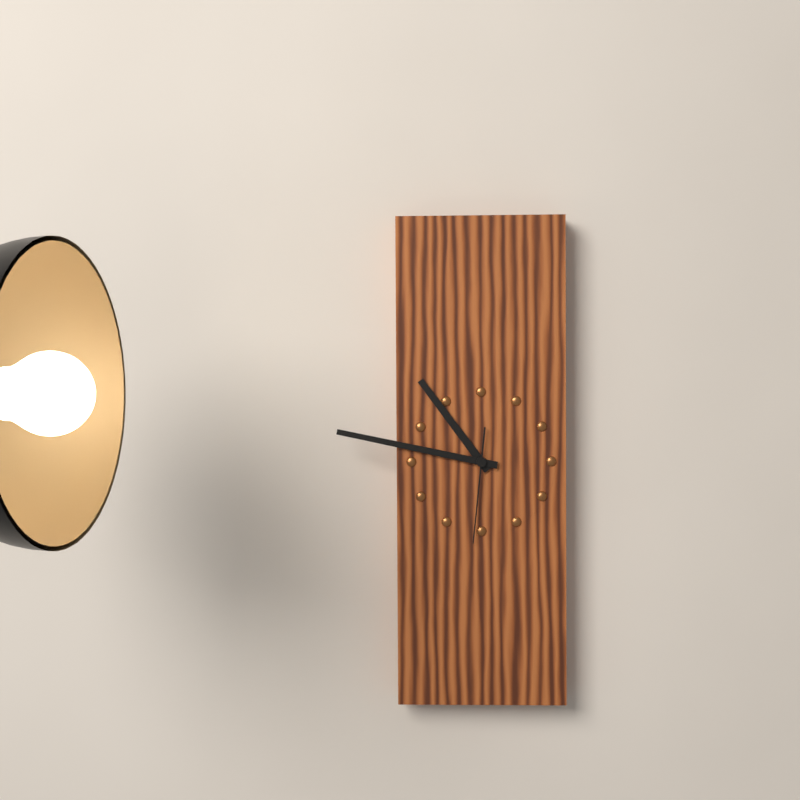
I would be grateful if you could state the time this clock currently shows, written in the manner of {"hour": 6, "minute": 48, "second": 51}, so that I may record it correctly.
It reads {"hour": 10, "minute": 47, "second": 31}
